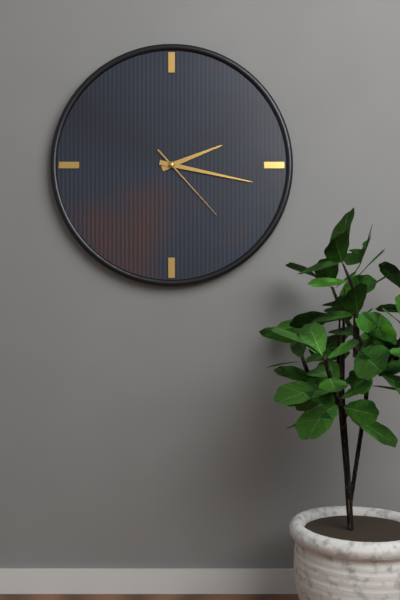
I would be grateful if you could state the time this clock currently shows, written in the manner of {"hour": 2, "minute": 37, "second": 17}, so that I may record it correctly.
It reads {"hour": 2, "minute": 17, "second": 23}
